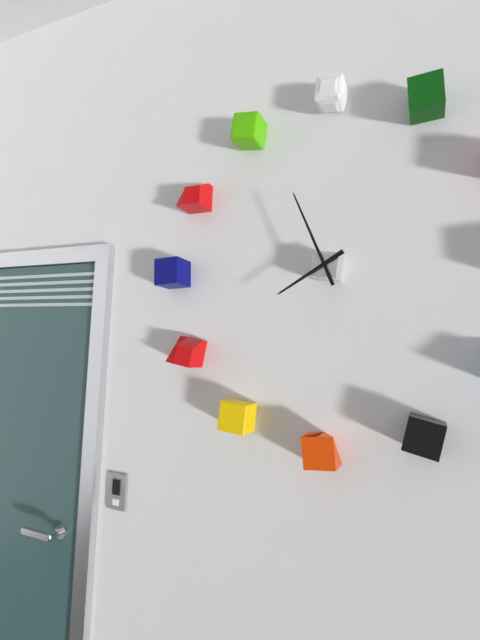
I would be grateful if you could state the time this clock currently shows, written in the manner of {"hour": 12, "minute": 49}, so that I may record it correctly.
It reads {"hour": 7, "minute": 56}
